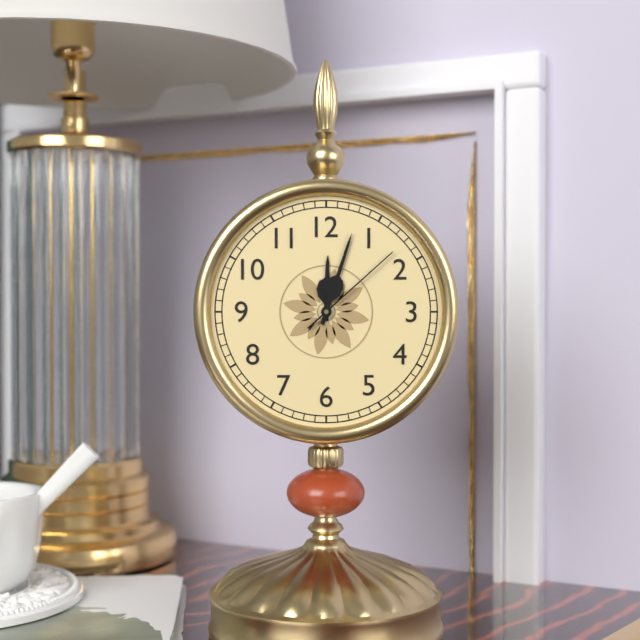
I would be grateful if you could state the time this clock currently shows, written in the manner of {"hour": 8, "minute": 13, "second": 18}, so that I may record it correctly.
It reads {"hour": 12, "minute": 3, "second": 8}
